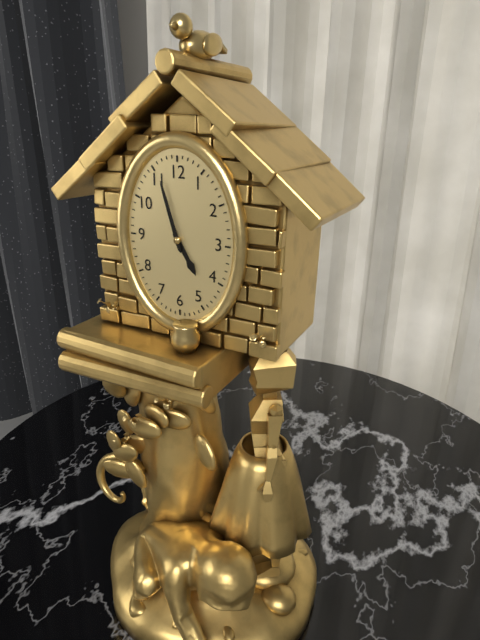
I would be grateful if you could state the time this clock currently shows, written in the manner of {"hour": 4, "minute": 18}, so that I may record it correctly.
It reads {"hour": 4, "minute": 57}
